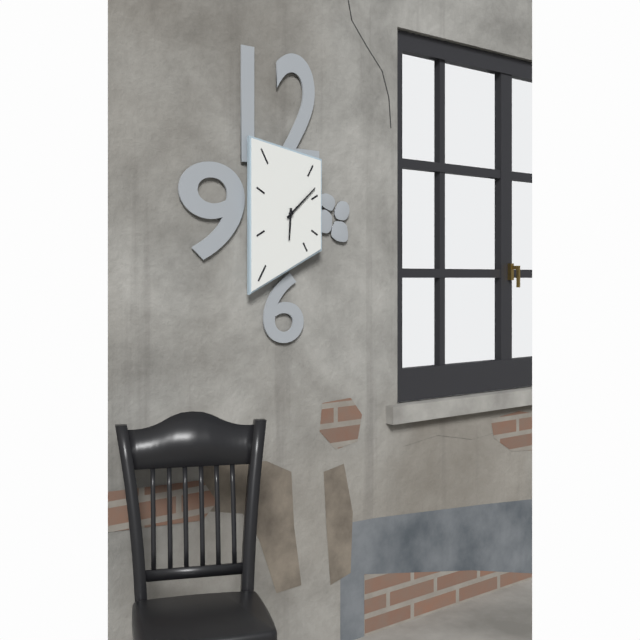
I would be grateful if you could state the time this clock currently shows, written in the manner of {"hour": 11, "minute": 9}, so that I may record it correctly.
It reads {"hour": 6, "minute": 8}
